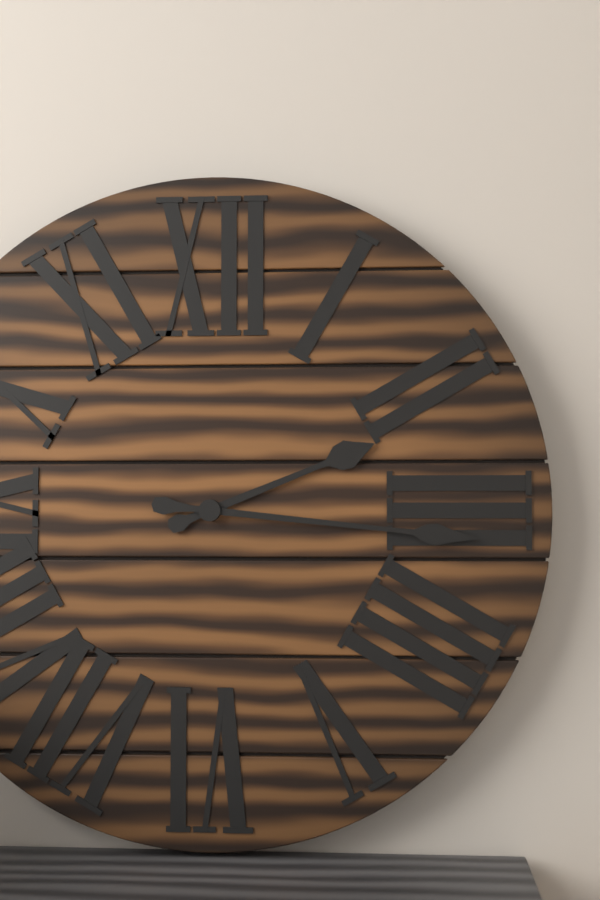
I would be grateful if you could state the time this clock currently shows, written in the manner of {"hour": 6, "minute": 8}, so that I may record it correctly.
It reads {"hour": 2, "minute": 16}
